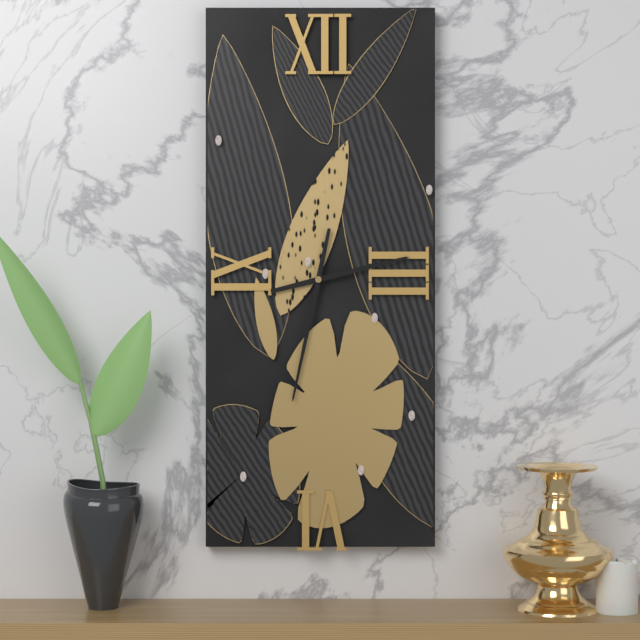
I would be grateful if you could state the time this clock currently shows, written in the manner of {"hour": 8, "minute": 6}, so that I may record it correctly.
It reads {"hour": 2, "minute": 32}
